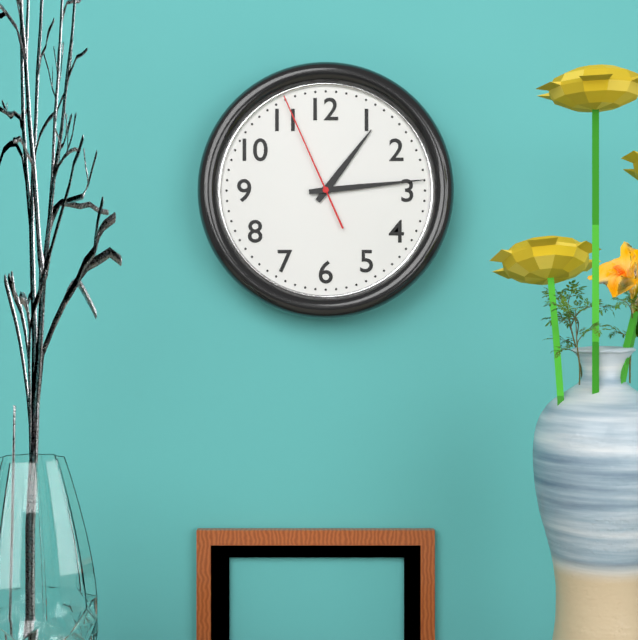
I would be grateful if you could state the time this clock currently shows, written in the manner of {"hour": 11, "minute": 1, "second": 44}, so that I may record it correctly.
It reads {"hour": 1, "minute": 14, "second": 56}
